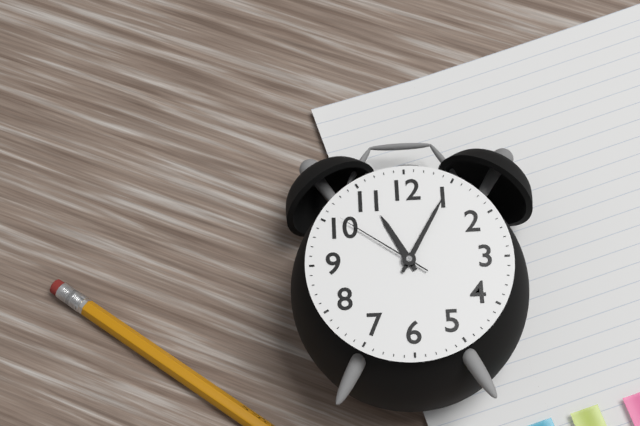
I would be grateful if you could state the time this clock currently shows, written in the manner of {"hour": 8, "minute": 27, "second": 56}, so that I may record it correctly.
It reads {"hour": 11, "minute": 5, "second": 51}
